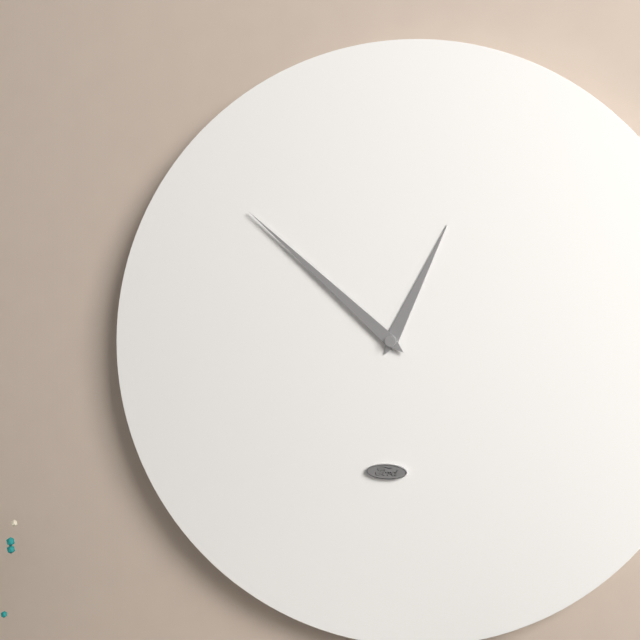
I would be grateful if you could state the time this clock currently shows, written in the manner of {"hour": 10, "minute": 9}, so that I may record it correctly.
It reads {"hour": 12, "minute": 52}
